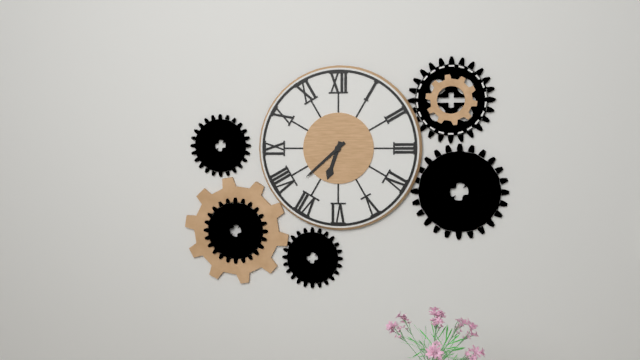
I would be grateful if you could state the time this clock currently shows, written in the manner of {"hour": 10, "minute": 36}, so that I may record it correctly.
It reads {"hour": 6, "minute": 38}
